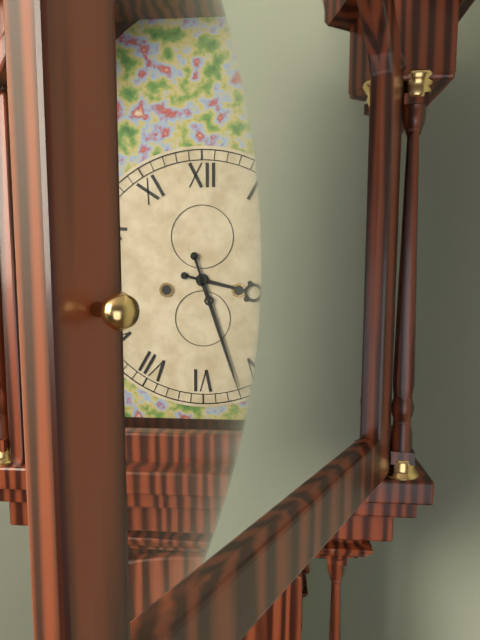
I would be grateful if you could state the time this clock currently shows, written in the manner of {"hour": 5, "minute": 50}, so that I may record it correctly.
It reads {"hour": 3, "minute": 27}
